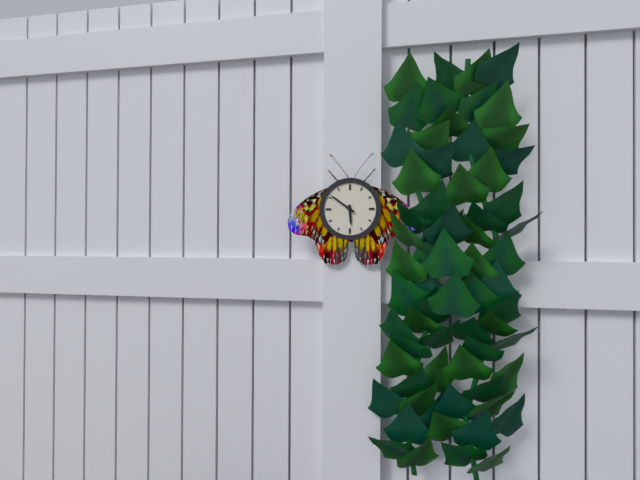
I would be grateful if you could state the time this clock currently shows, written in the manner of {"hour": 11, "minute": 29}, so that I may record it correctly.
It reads {"hour": 5, "minute": 51}
